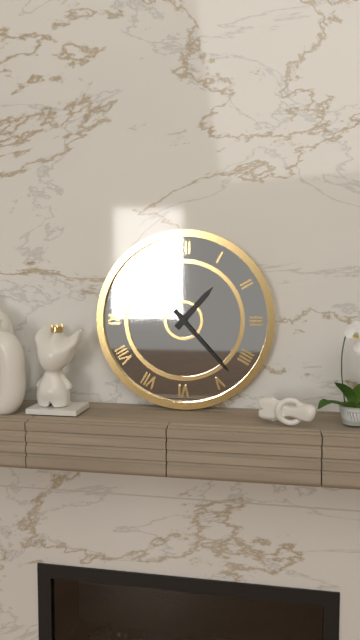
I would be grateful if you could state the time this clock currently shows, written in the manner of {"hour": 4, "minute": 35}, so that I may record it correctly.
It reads {"hour": 1, "minute": 23}
